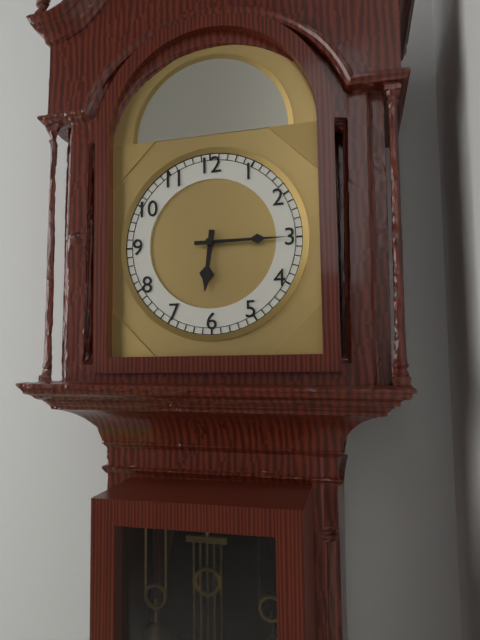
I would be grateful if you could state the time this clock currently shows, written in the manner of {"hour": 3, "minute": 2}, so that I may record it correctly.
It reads {"hour": 6, "minute": 15}
